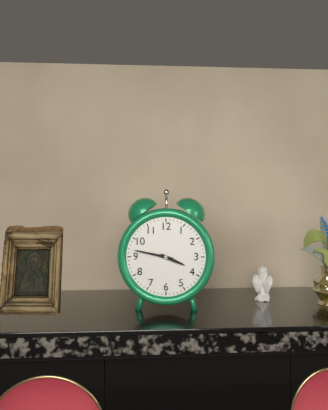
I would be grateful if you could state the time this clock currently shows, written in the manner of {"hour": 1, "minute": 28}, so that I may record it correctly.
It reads {"hour": 3, "minute": 47}
